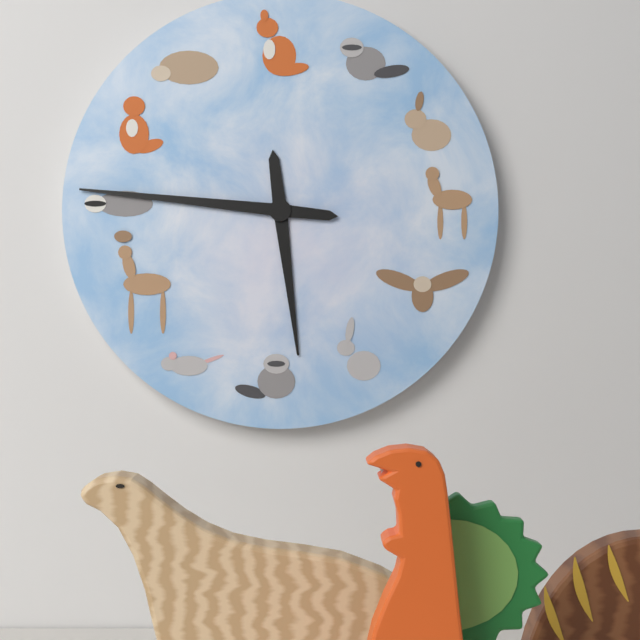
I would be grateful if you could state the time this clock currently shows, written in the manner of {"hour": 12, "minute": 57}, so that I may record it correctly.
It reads {"hour": 5, "minute": 46}
